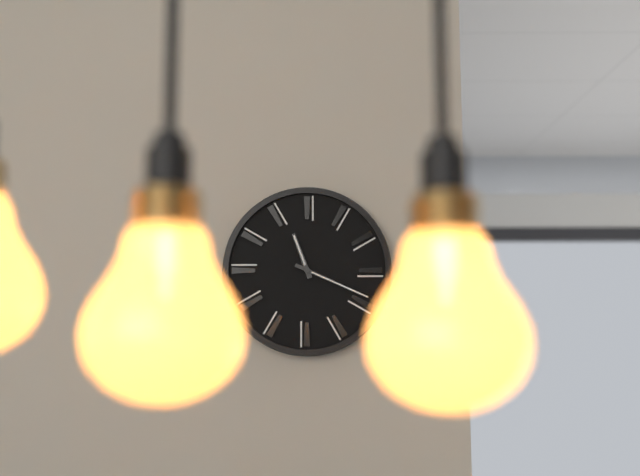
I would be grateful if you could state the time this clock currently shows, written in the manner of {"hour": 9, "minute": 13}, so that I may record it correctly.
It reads {"hour": 11, "minute": 19}
